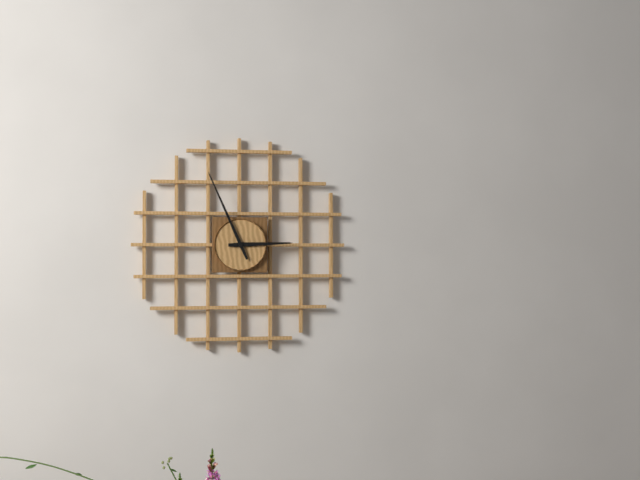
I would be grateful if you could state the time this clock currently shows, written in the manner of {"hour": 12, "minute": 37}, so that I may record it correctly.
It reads {"hour": 2, "minute": 56}
